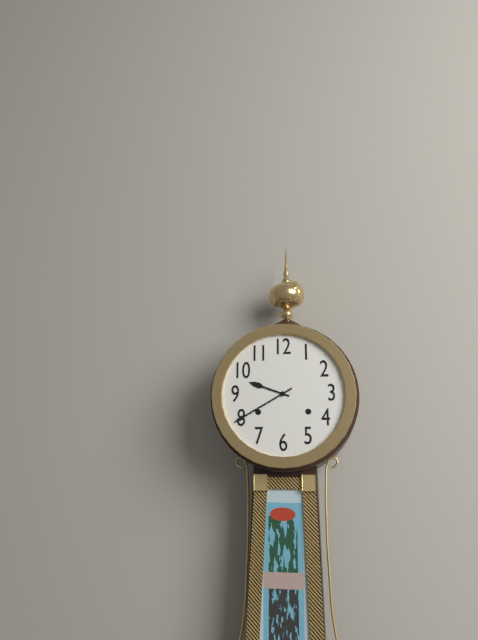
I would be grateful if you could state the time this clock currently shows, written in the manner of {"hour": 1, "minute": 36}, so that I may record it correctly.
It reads {"hour": 9, "minute": 40}
